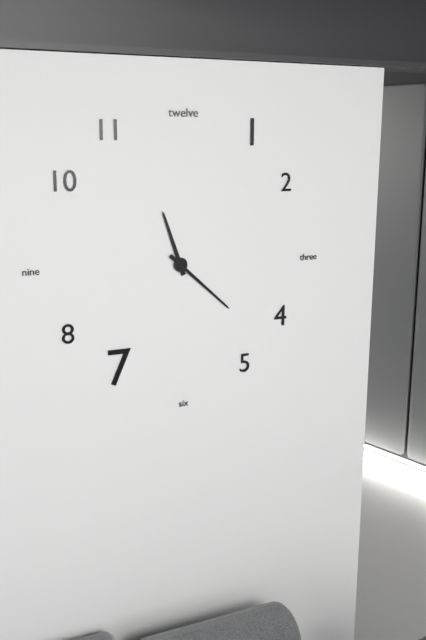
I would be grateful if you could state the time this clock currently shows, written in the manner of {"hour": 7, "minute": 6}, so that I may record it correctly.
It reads {"hour": 11, "minute": 22}
